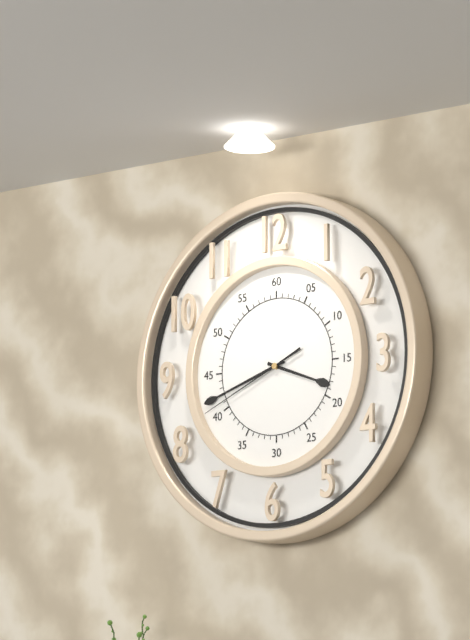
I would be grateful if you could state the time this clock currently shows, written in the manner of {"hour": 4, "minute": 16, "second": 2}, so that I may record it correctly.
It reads {"hour": 3, "minute": 42, "second": 41}
